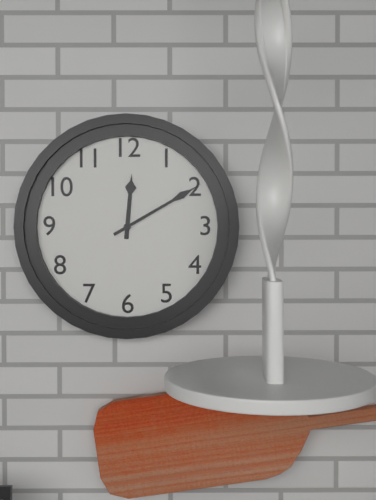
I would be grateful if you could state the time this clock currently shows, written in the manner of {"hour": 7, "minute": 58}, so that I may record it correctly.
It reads {"hour": 12, "minute": 10}
